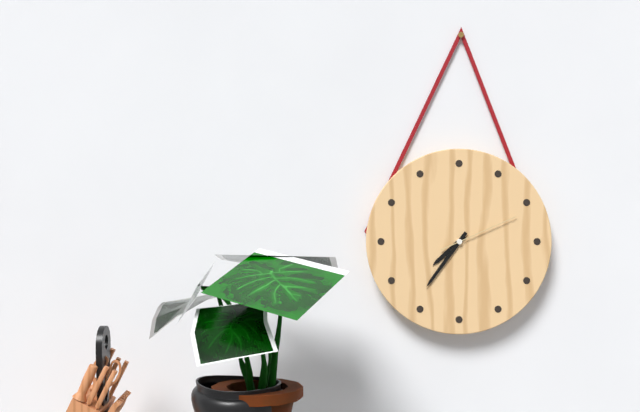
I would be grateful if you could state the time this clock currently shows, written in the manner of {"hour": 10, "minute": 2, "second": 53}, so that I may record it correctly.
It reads {"hour": 7, "minute": 36, "second": 11}
